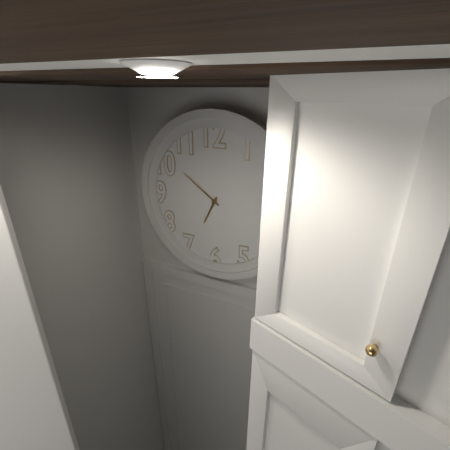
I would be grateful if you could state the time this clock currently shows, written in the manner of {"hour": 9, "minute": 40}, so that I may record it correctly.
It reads {"hour": 6, "minute": 51}
